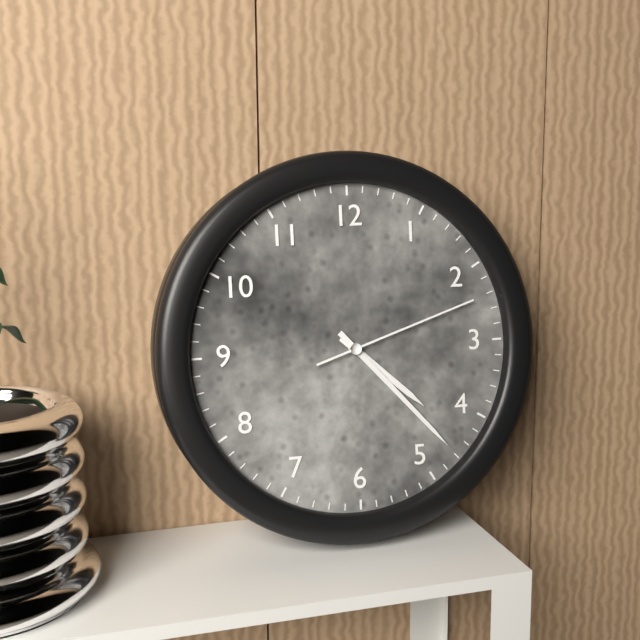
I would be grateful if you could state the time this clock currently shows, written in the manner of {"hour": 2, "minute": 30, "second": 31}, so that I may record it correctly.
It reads {"hour": 4, "minute": 23, "second": 12}
